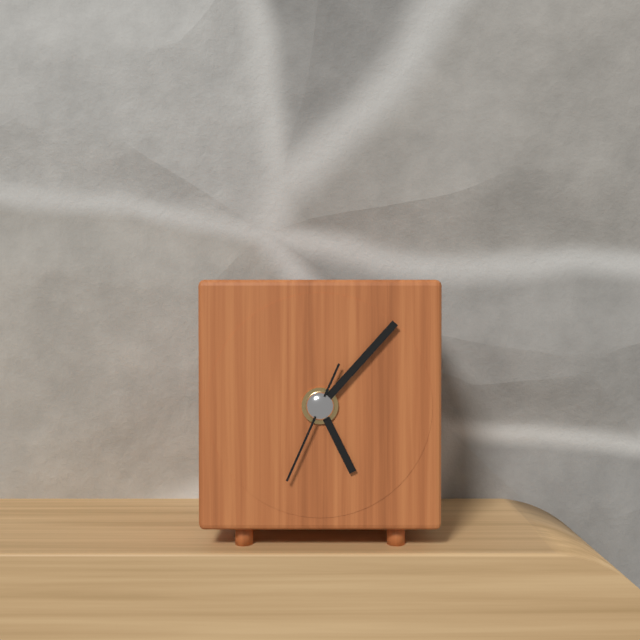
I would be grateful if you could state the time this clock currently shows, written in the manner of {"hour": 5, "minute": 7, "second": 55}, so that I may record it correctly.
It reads {"hour": 5, "minute": 7, "second": 34}
